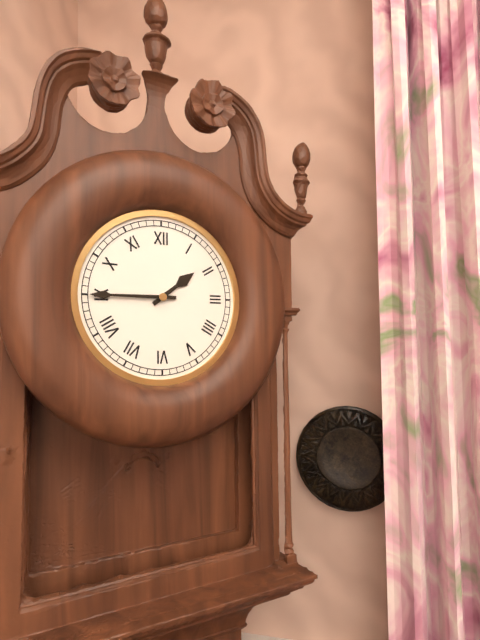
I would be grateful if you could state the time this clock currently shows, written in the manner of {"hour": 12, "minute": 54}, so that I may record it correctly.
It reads {"hour": 1, "minute": 45}
